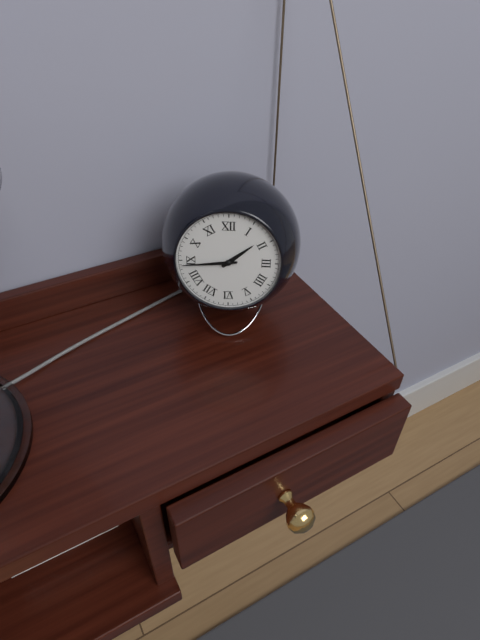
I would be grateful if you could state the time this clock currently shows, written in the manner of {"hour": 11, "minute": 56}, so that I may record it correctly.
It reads {"hour": 1, "minute": 44}
